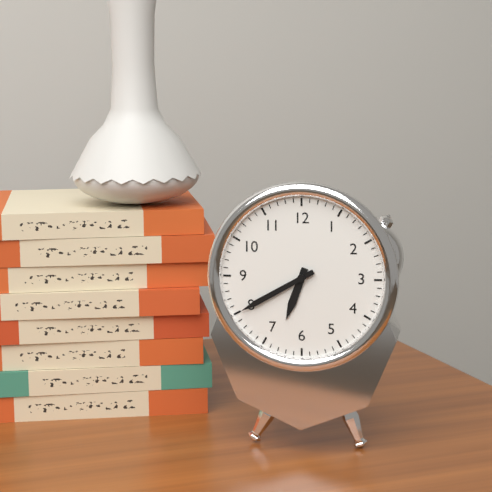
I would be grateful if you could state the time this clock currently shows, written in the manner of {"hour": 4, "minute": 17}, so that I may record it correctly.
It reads {"hour": 6, "minute": 40}
